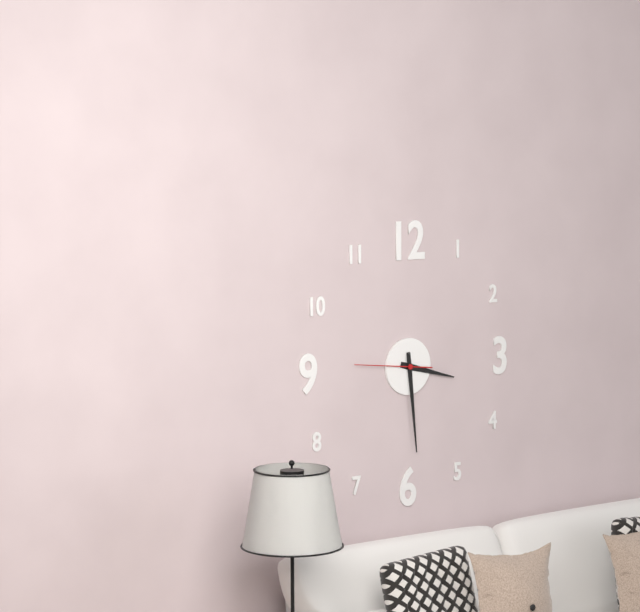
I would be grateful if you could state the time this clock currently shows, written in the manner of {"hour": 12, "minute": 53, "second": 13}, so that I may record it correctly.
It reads {"hour": 3, "minute": 29, "second": 46}
